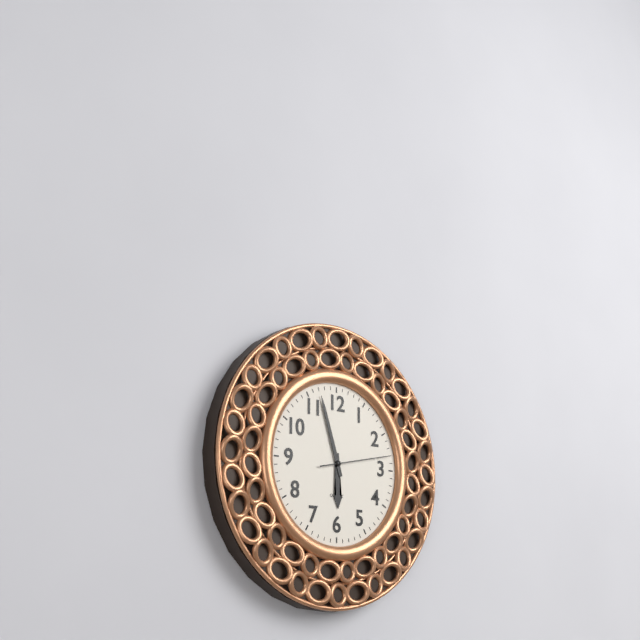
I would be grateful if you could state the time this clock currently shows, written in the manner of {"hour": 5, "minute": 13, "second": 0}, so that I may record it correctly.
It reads {"hour": 5, "minute": 57, "second": 13}
